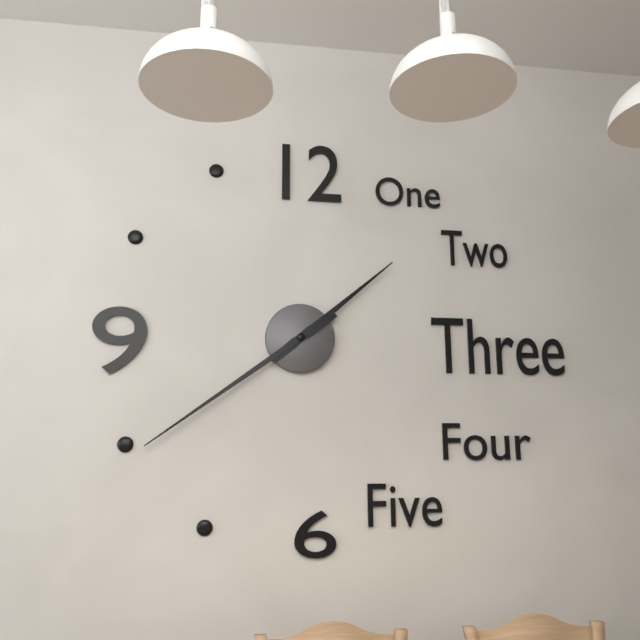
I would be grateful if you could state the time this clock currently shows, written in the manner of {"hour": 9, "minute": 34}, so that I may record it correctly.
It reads {"hour": 1, "minute": 39}
